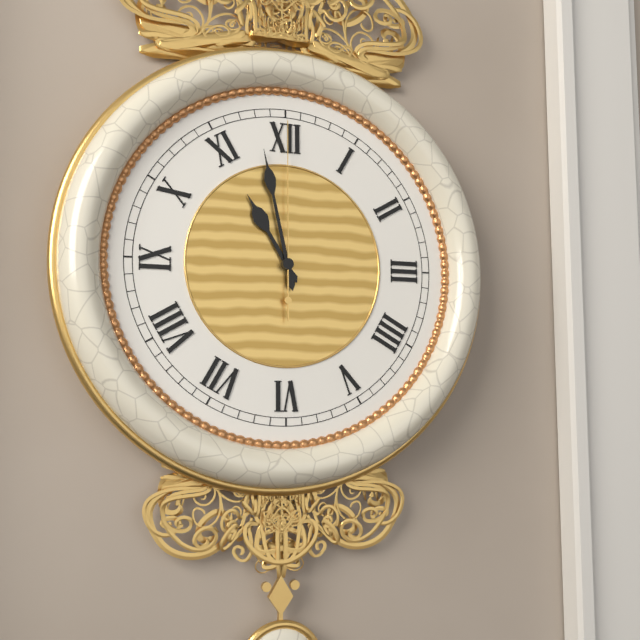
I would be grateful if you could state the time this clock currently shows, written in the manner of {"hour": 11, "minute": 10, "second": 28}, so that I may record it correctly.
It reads {"hour": 10, "minute": 58, "second": 0}
